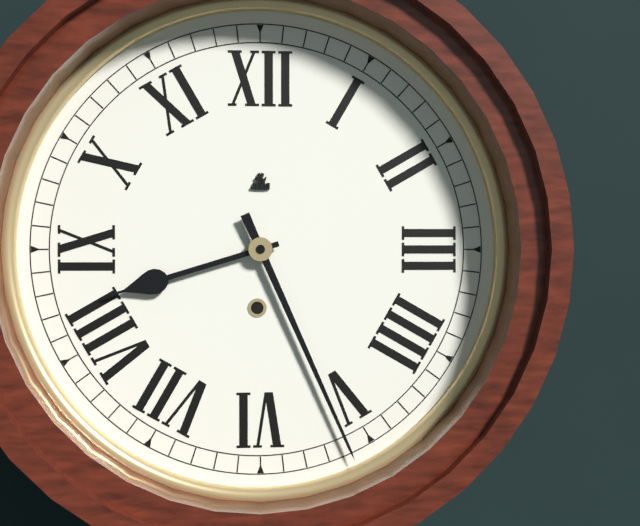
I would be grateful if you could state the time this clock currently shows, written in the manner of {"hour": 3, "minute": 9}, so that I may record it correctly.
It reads {"hour": 8, "minute": 26}
